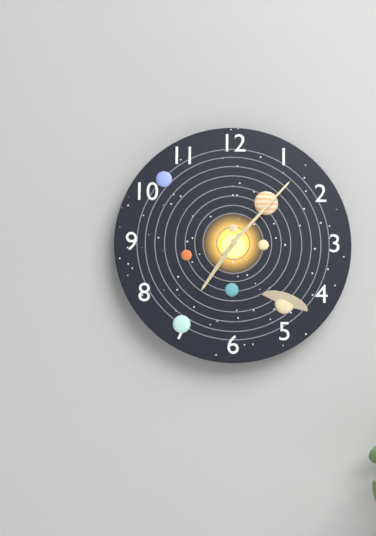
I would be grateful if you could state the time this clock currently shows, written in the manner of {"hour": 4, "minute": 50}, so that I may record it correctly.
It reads {"hour": 7, "minute": 7}
